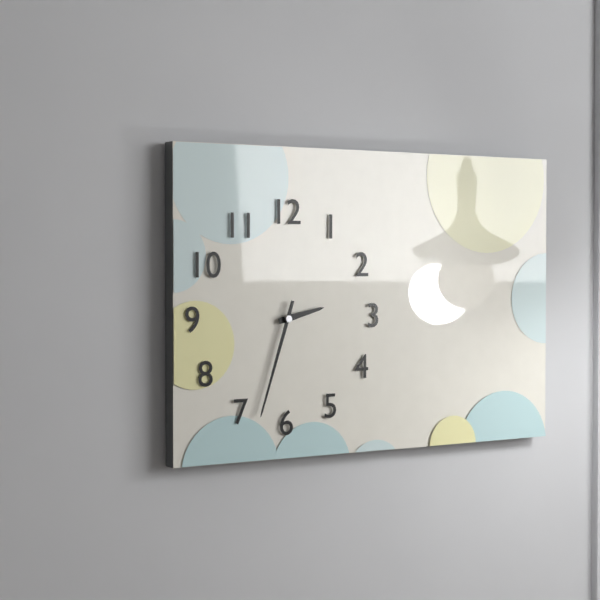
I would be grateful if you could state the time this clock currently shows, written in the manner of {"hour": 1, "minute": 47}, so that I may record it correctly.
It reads {"hour": 2, "minute": 33}
